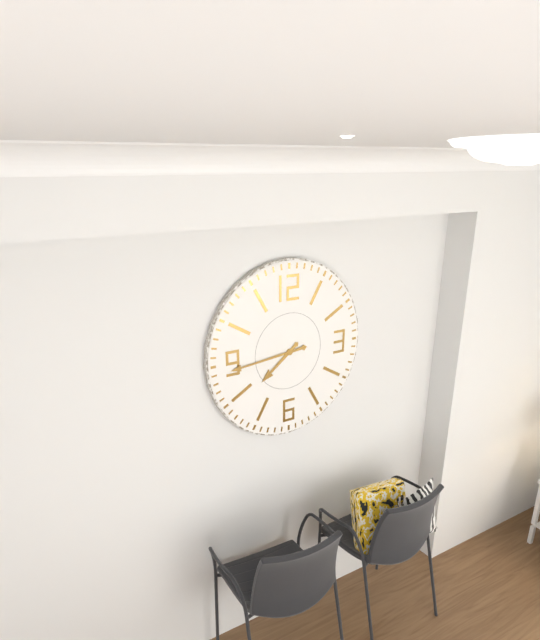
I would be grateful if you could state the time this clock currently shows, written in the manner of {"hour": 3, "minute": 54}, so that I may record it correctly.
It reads {"hour": 7, "minute": 44}
